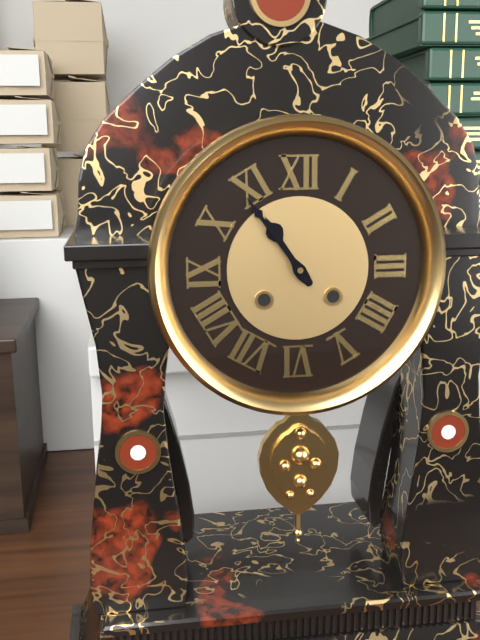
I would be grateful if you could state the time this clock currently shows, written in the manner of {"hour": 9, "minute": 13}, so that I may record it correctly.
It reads {"hour": 10, "minute": 54}
